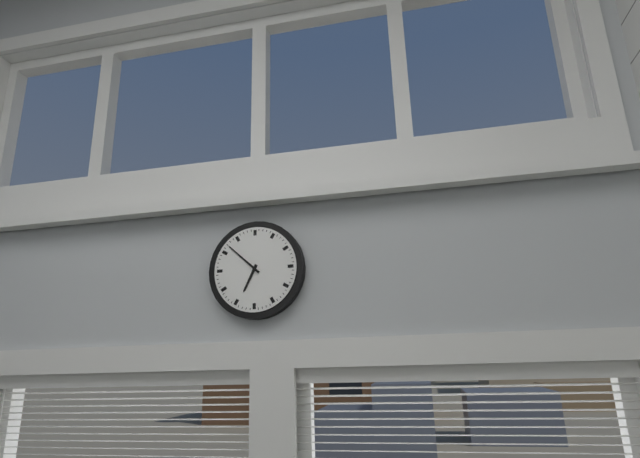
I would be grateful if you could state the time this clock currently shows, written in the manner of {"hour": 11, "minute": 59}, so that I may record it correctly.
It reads {"hour": 6, "minute": 52}
